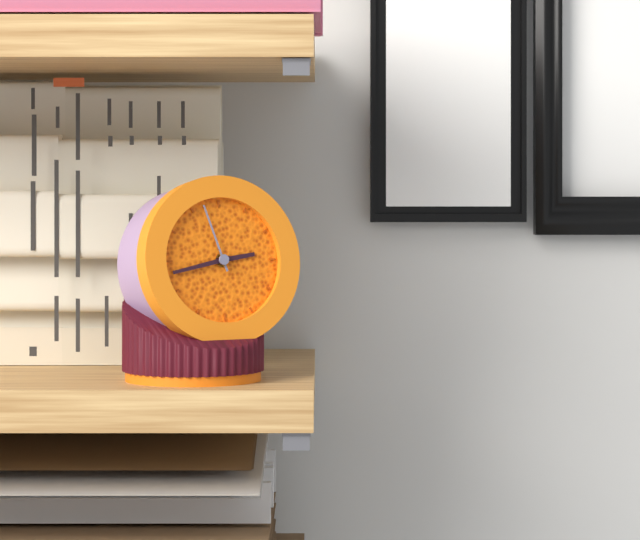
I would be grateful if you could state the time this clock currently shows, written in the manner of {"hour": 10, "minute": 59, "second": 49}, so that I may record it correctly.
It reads {"hour": 2, "minute": 43, "second": 57}
